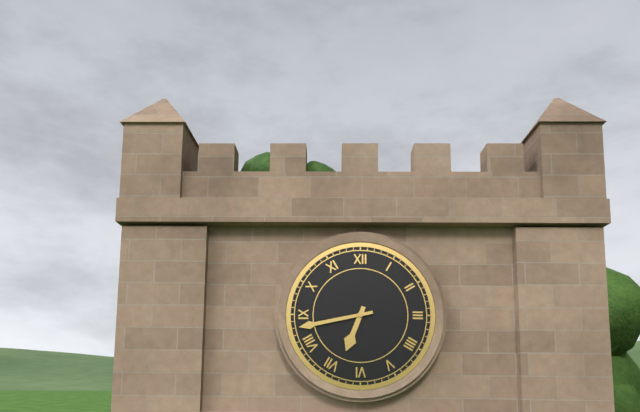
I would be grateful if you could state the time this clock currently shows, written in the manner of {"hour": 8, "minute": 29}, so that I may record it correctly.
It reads {"hour": 6, "minute": 43}
